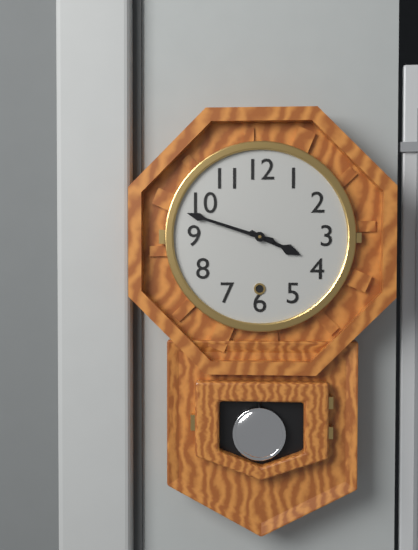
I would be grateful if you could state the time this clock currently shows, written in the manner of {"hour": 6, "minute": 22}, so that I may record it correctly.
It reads {"hour": 3, "minute": 48}
